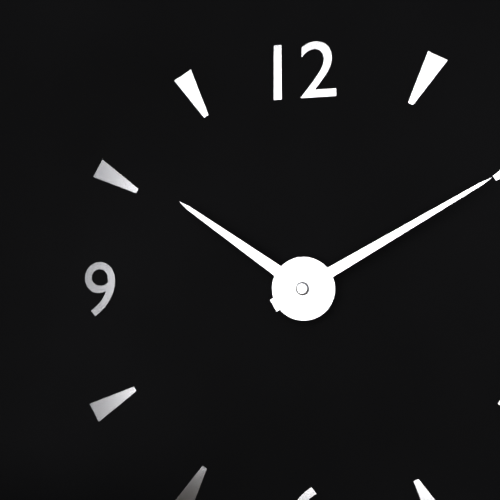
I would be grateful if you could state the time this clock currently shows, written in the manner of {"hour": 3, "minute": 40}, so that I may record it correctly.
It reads {"hour": 10, "minute": 10}
